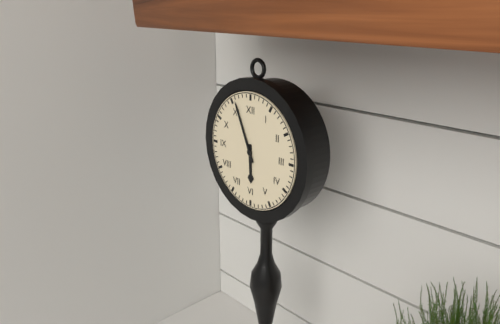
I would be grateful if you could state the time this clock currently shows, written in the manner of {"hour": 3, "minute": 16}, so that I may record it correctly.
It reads {"hour": 5, "minute": 56}
